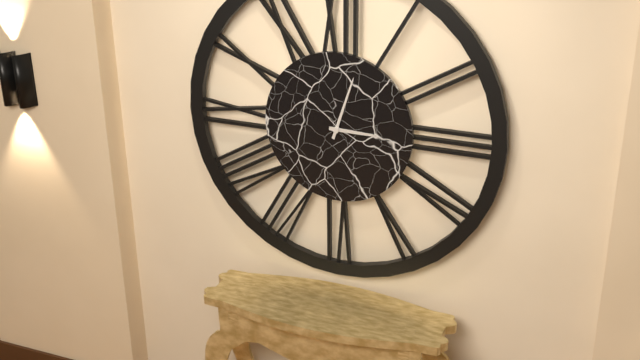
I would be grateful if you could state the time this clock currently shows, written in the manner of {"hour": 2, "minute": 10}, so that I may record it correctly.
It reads {"hour": 3, "minute": 3}
